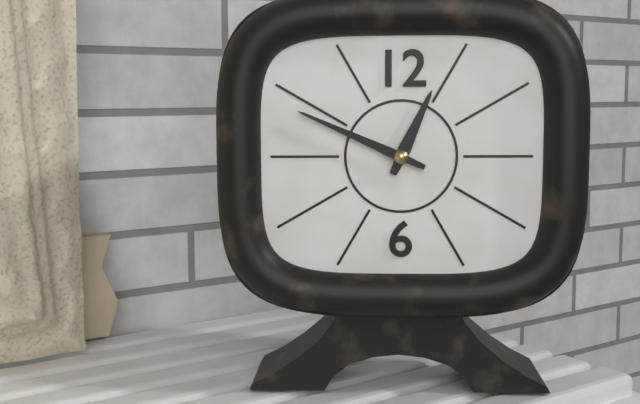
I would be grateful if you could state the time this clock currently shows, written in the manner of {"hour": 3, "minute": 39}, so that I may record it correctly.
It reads {"hour": 12, "minute": 49}
